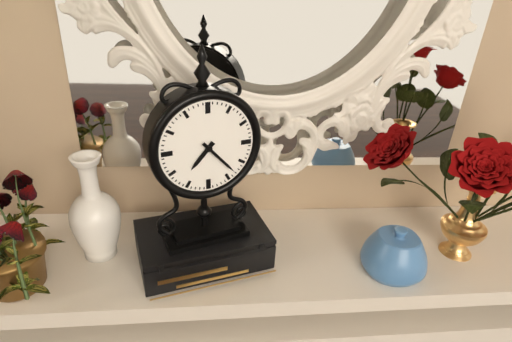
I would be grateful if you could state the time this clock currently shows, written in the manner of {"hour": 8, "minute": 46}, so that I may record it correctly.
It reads {"hour": 7, "minute": 23}
